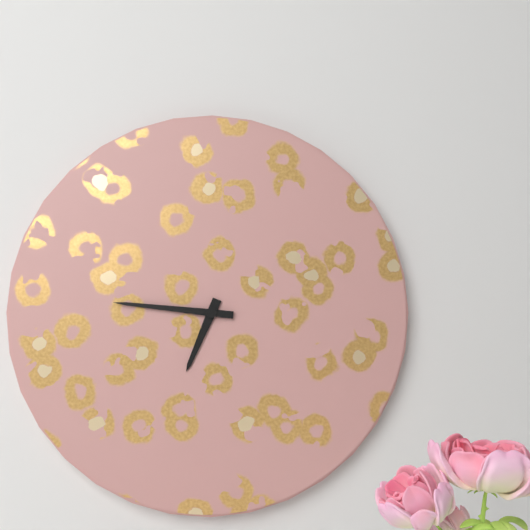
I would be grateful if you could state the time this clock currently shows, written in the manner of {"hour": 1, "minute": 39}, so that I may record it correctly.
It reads {"hour": 6, "minute": 46}
